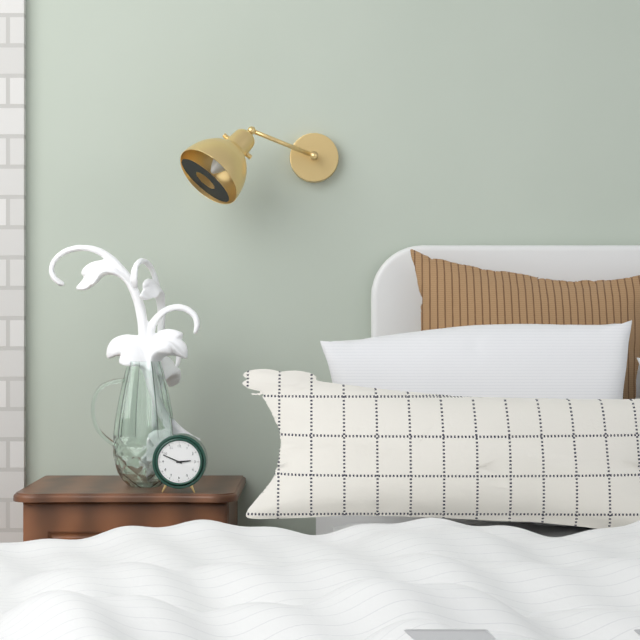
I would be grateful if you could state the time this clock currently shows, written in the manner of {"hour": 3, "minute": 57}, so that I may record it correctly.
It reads {"hour": 2, "minute": 49}
